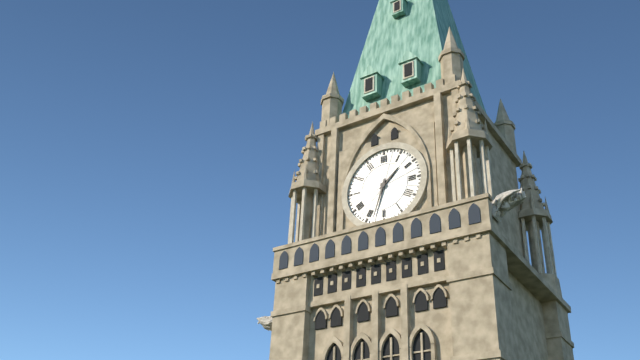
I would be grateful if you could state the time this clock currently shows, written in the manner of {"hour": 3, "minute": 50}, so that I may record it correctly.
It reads {"hour": 1, "minute": 33}
